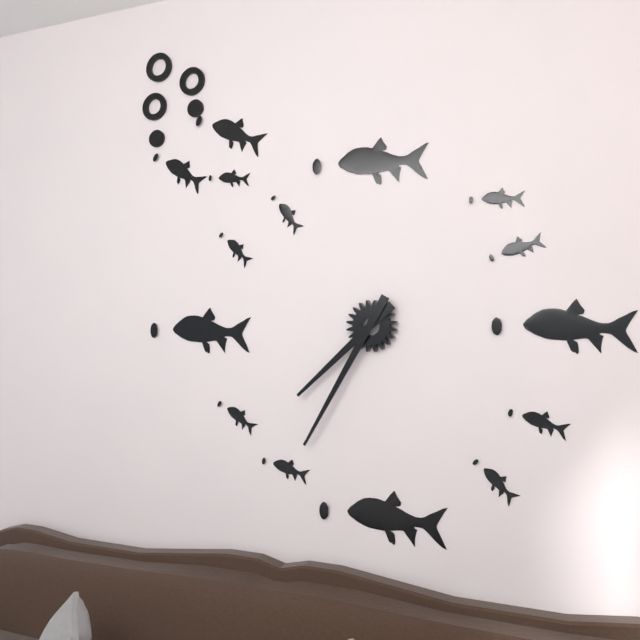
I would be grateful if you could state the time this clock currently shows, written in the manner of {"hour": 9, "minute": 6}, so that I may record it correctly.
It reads {"hour": 7, "minute": 35}
